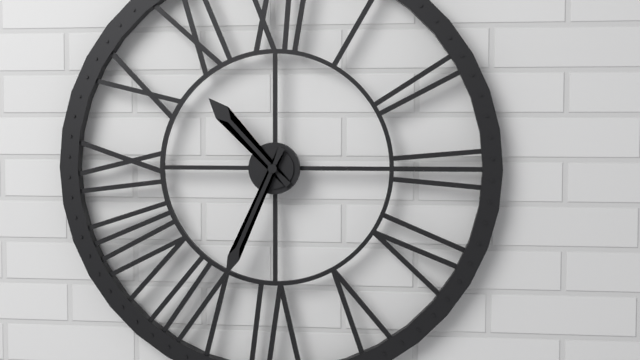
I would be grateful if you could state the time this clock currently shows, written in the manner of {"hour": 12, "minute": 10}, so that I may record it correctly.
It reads {"hour": 10, "minute": 34}
